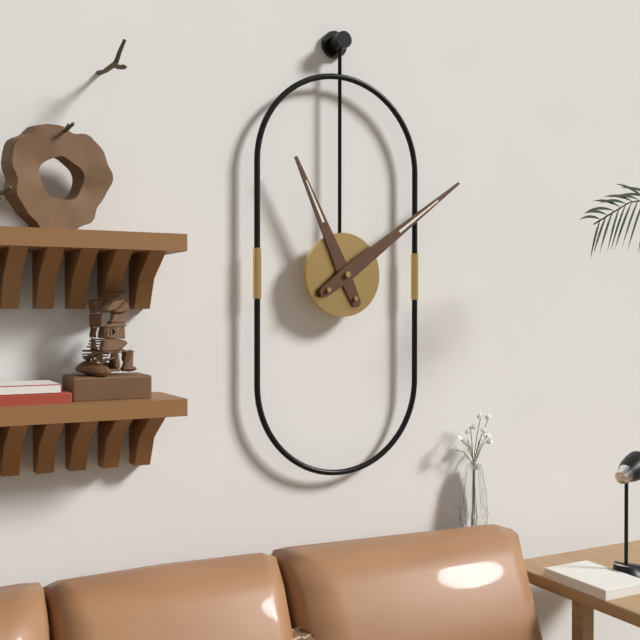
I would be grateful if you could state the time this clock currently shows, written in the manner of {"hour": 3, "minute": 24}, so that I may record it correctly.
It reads {"hour": 11, "minute": 9}
